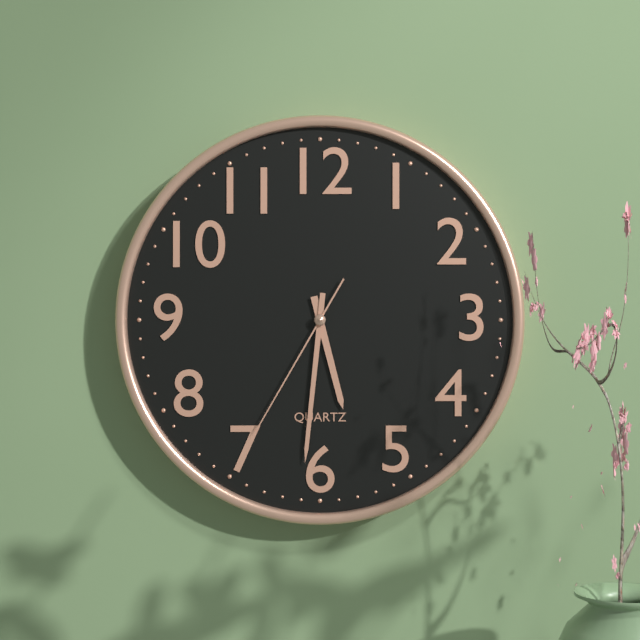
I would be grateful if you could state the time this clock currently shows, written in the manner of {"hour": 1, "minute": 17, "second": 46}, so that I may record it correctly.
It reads {"hour": 5, "minute": 31, "second": 35}
